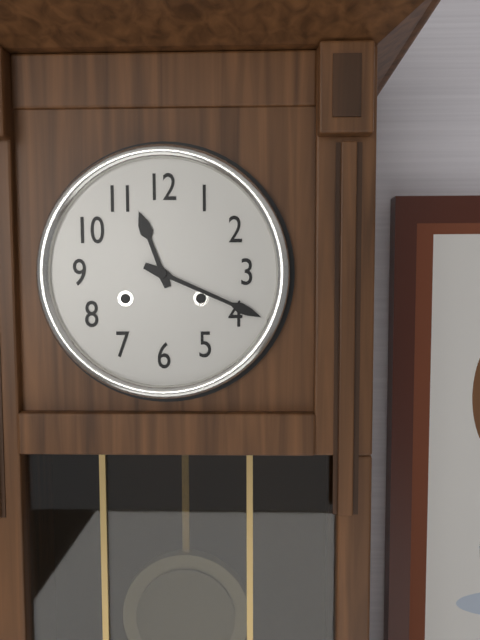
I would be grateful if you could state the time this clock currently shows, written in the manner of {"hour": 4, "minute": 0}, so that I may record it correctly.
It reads {"hour": 11, "minute": 19}
